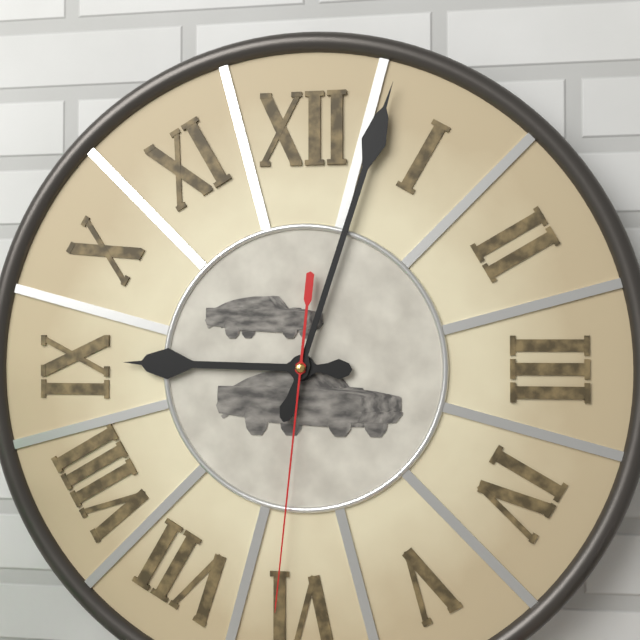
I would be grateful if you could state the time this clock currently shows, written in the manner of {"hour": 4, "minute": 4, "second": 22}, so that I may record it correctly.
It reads {"hour": 9, "minute": 3, "second": 31}
